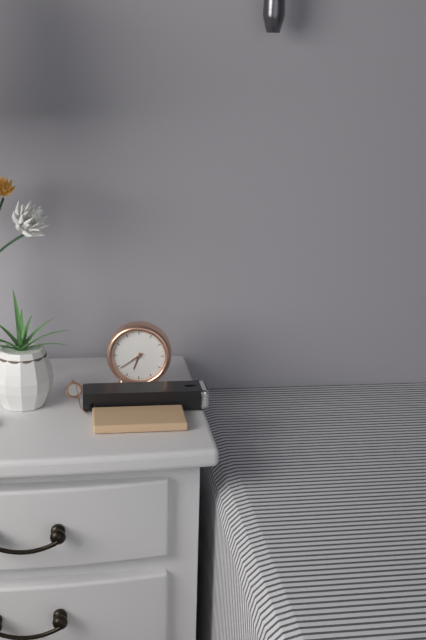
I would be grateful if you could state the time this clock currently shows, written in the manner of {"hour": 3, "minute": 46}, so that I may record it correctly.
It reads {"hour": 6, "minute": 39}
